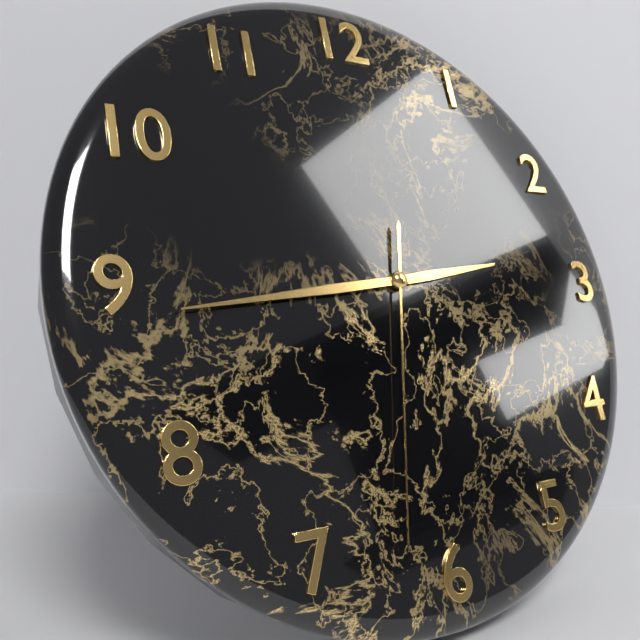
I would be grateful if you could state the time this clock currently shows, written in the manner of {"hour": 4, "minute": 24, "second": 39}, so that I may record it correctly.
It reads {"hour": 2, "minute": 44, "second": 32}
